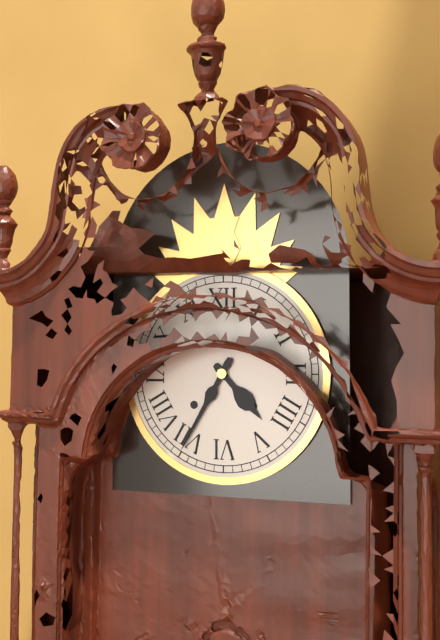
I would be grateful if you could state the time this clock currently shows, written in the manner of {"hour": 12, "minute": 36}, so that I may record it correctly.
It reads {"hour": 4, "minute": 35}
